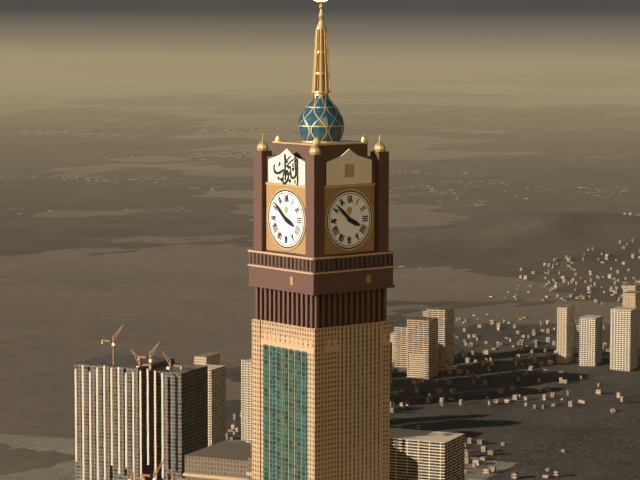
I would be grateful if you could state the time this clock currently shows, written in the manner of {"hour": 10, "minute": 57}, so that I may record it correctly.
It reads {"hour": 3, "minute": 52}
